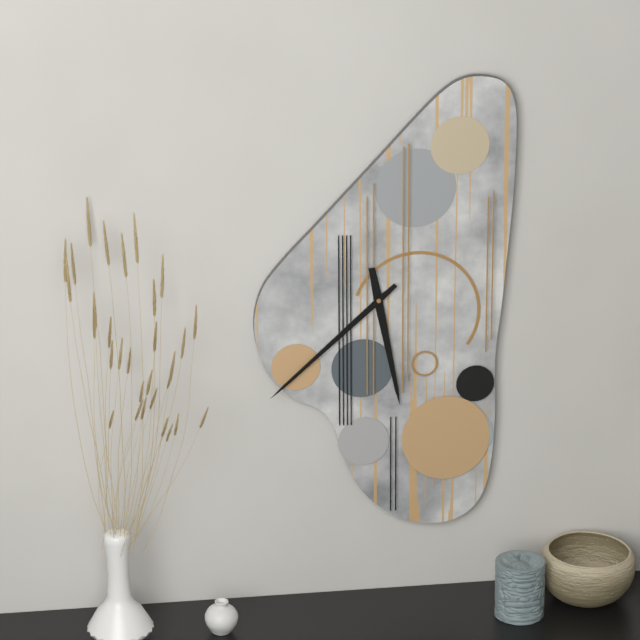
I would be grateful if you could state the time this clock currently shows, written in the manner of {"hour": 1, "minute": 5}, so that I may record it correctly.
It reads {"hour": 5, "minute": 38}
